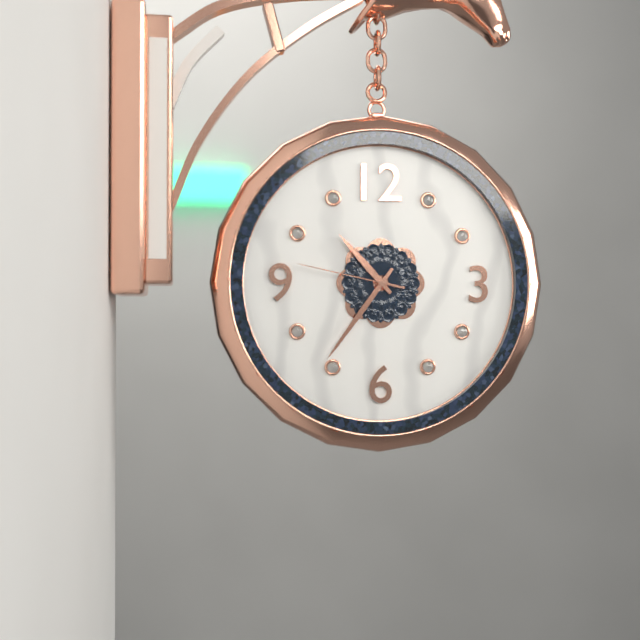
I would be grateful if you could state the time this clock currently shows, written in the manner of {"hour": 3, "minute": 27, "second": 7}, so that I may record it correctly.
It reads {"hour": 10, "minute": 36, "second": 47}
